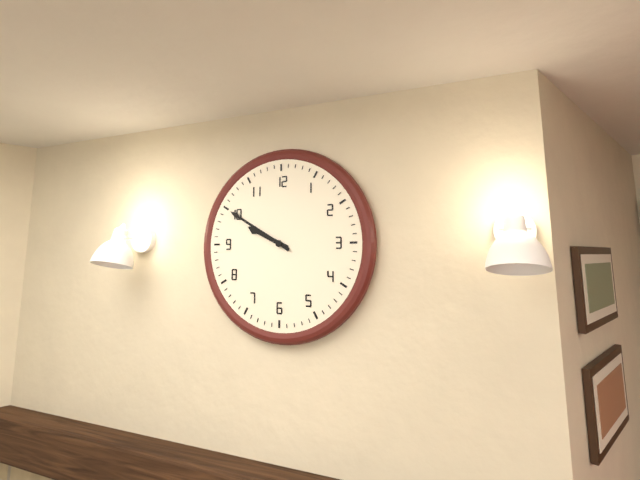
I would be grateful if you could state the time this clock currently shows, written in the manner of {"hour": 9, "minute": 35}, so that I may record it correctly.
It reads {"hour": 9, "minute": 50}
